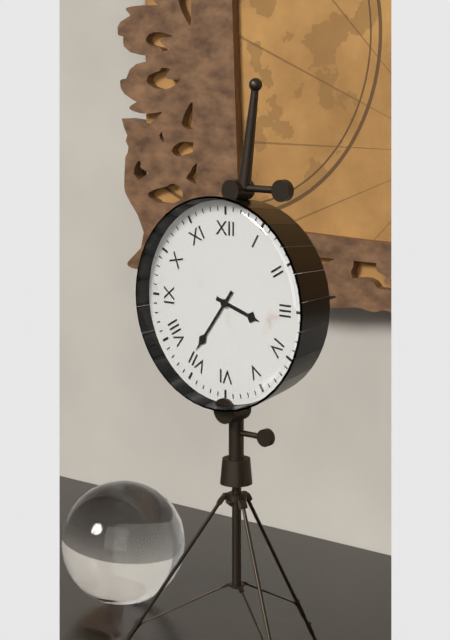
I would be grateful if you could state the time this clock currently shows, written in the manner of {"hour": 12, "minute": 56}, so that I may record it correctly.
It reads {"hour": 3, "minute": 36}
